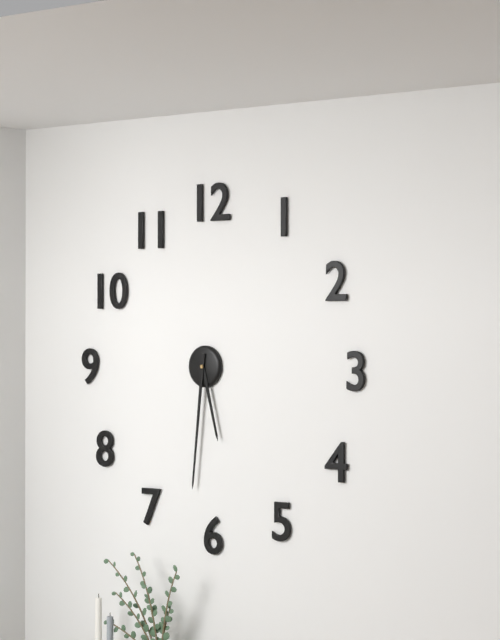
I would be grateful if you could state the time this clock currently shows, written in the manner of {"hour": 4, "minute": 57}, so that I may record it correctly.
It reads {"hour": 5, "minute": 31}
